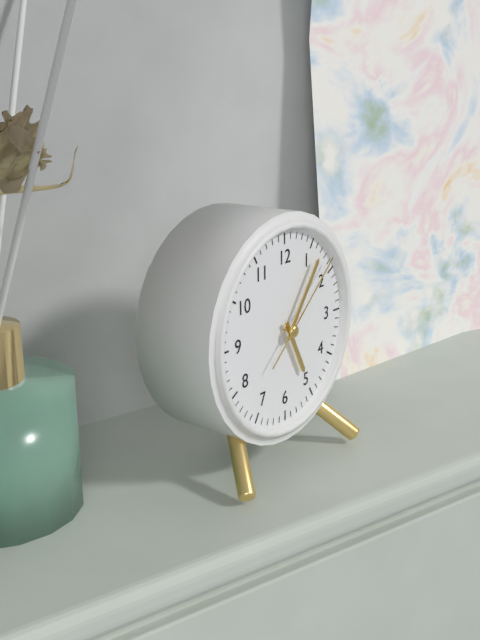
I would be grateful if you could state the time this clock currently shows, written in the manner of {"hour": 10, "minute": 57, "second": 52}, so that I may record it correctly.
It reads {"hour": 5, "minute": 6, "second": 8}
